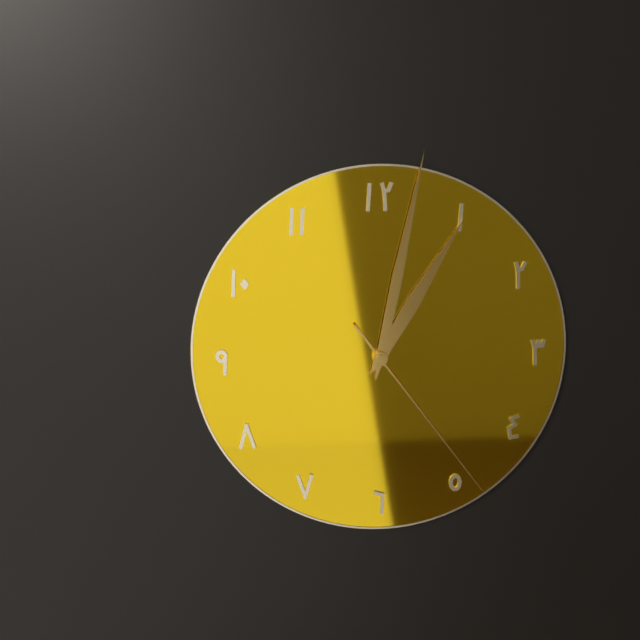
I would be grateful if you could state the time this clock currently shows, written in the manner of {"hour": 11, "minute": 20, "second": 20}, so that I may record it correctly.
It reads {"hour": 1, "minute": 2, "second": 24}
